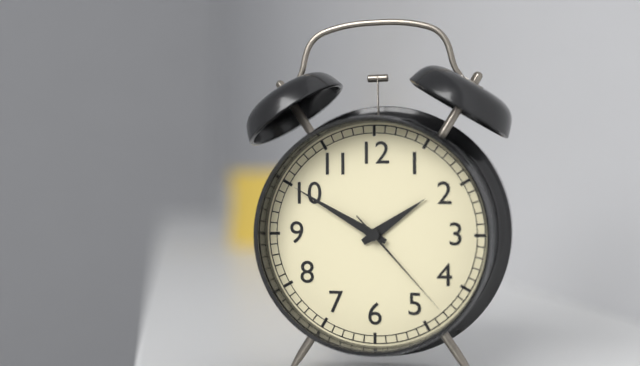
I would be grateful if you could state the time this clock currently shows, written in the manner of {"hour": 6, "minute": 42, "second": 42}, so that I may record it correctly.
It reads {"hour": 1, "minute": 50, "second": 23}
